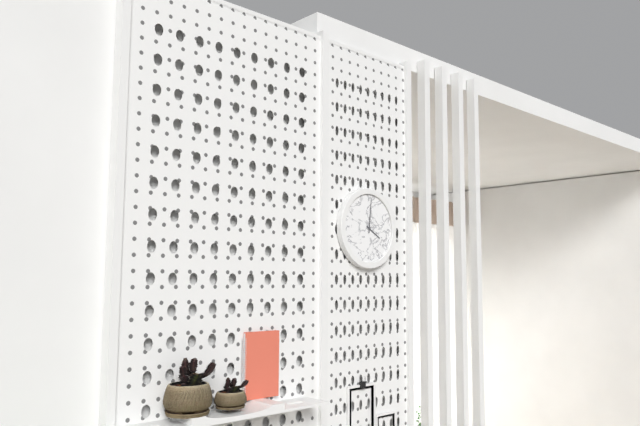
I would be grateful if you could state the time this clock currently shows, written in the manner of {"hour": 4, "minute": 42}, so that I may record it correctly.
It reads {"hour": 4, "minute": 1}
